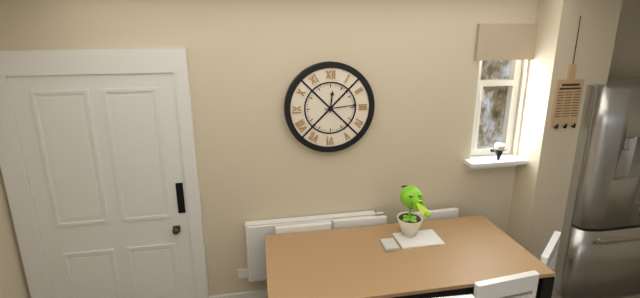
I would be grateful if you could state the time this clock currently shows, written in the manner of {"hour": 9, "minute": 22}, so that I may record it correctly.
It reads {"hour": 12, "minute": 14}
